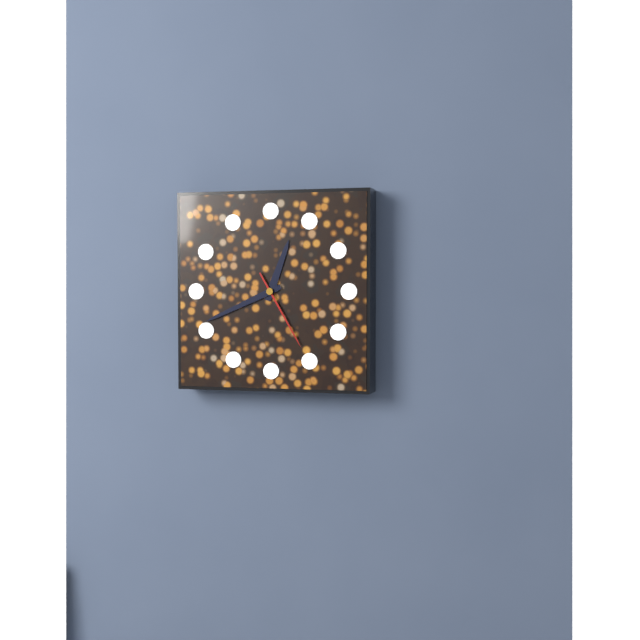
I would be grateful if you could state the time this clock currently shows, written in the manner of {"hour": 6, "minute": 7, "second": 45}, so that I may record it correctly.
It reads {"hour": 12, "minute": 41, "second": 25}
